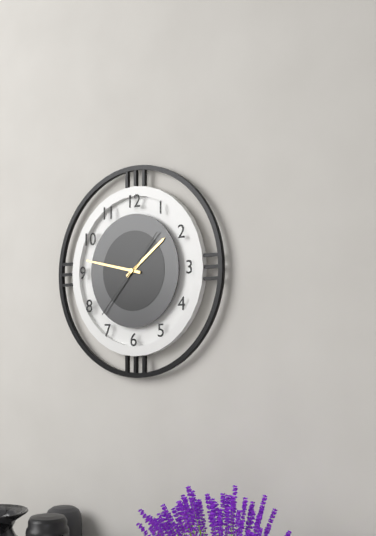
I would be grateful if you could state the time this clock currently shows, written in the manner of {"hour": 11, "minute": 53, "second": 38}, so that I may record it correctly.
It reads {"hour": 1, "minute": 47, "second": 37}
